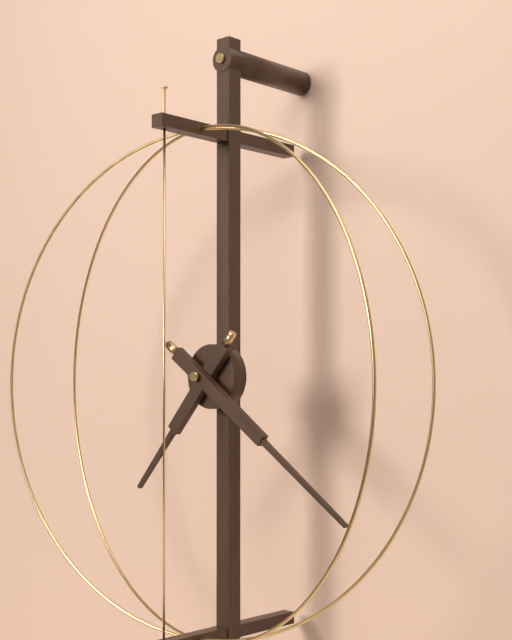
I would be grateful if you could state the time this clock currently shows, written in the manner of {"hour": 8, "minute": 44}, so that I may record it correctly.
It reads {"hour": 7, "minute": 21}
